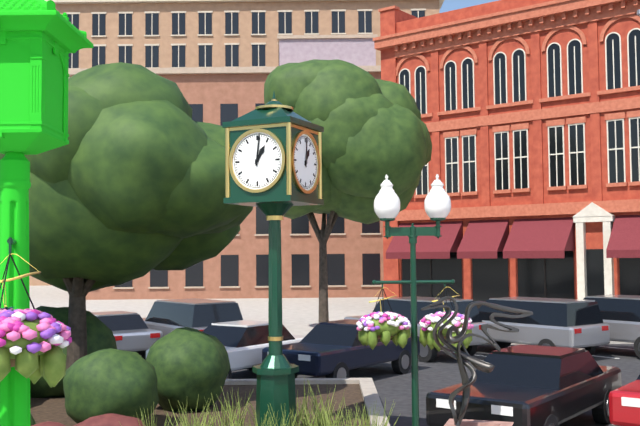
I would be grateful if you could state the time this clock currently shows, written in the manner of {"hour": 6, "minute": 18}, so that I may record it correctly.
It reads {"hour": 1, "minute": 1}
